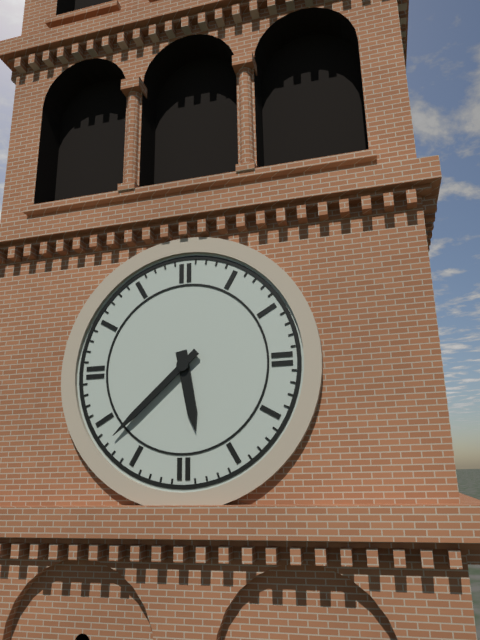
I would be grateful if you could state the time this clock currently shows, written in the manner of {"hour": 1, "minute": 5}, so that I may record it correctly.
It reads {"hour": 5, "minute": 38}
